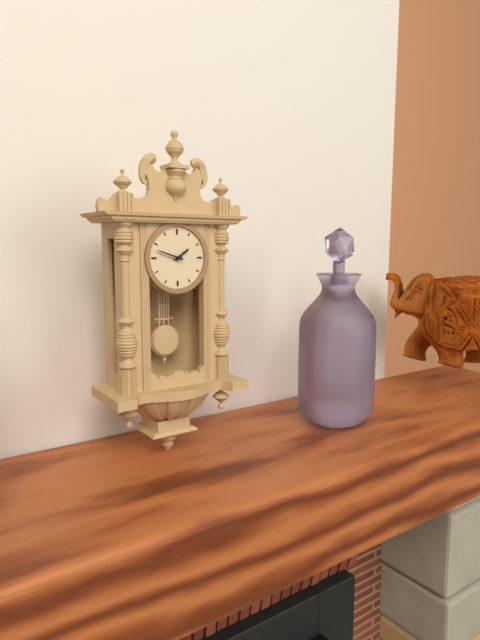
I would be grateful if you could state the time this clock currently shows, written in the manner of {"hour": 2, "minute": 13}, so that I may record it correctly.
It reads {"hour": 1, "minute": 48}
